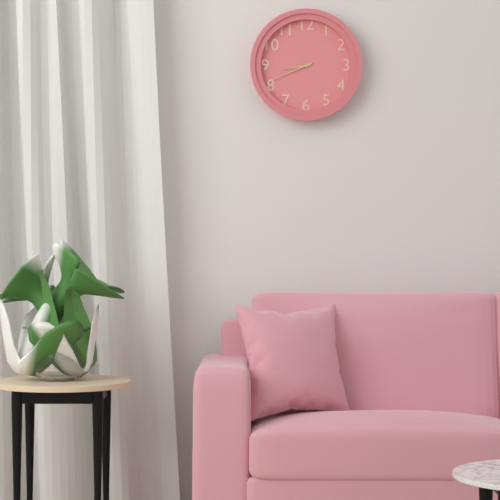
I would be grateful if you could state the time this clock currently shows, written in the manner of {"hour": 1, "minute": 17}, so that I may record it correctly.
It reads {"hour": 8, "minute": 41}
